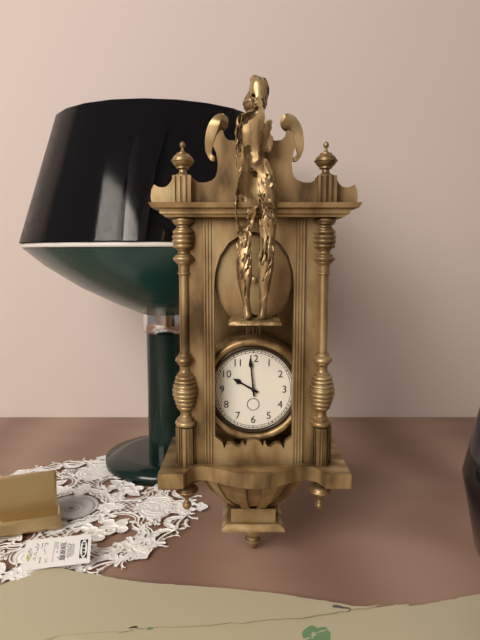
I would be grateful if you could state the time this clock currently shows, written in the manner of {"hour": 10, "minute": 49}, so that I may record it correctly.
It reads {"hour": 9, "minute": 59}
